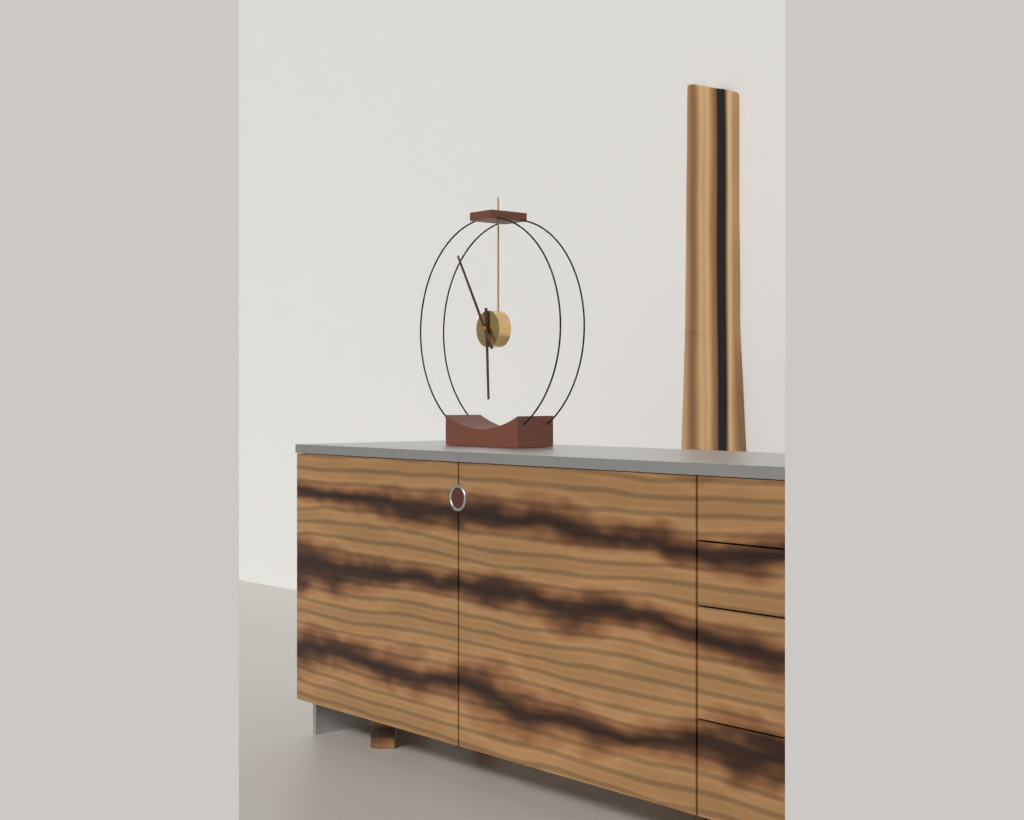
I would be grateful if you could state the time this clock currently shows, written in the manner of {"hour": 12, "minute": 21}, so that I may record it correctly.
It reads {"hour": 5, "minute": 55}
